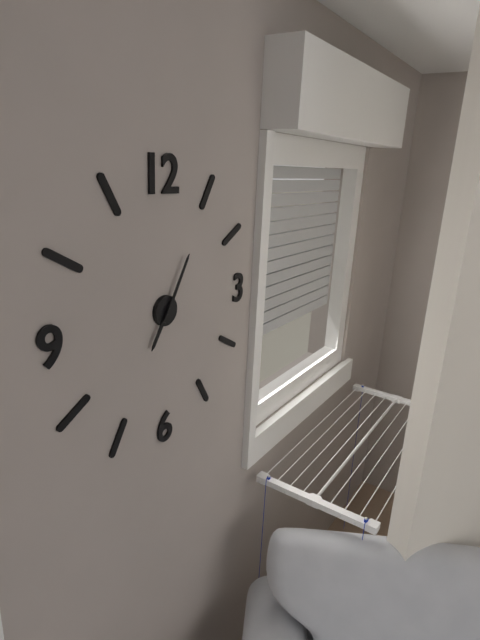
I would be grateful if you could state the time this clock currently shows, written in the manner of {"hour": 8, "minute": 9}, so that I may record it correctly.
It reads {"hour": 7, "minute": 5}
